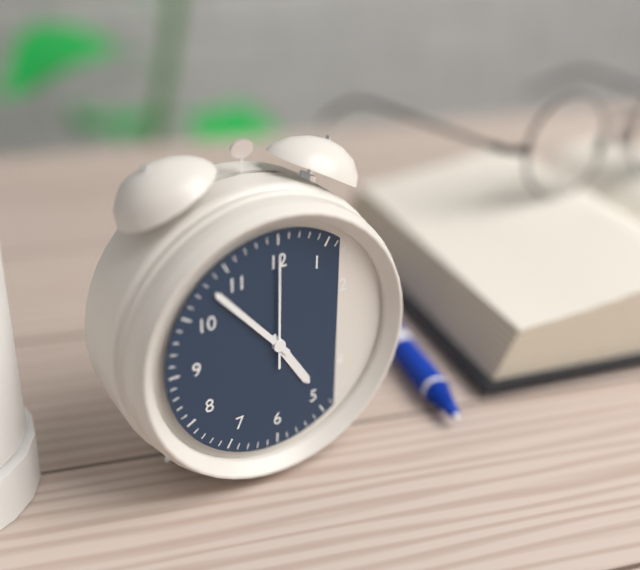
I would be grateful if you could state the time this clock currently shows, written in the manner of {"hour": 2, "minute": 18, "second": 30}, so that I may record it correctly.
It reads {"hour": 4, "minute": 53, "second": 0}
